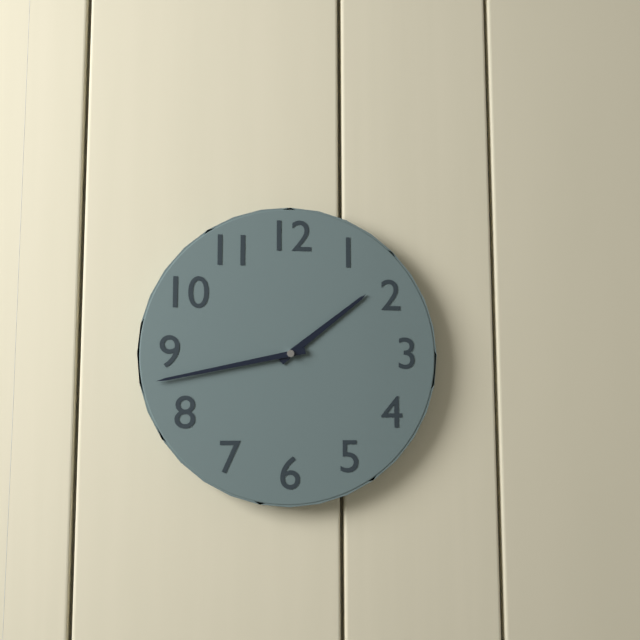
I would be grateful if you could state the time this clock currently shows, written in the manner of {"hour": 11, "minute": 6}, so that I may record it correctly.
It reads {"hour": 1, "minute": 43}
